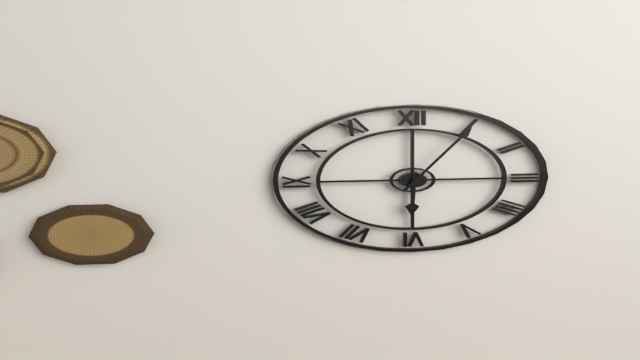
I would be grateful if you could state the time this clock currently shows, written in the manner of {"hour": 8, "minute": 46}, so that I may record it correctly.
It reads {"hour": 6, "minute": 5}
